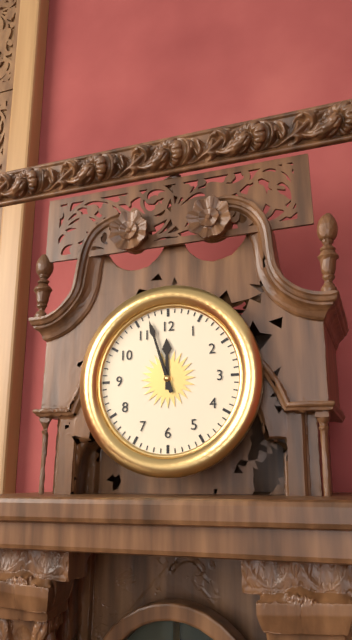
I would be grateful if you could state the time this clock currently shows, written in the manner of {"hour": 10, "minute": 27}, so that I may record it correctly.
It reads {"hour": 11, "minute": 57}
